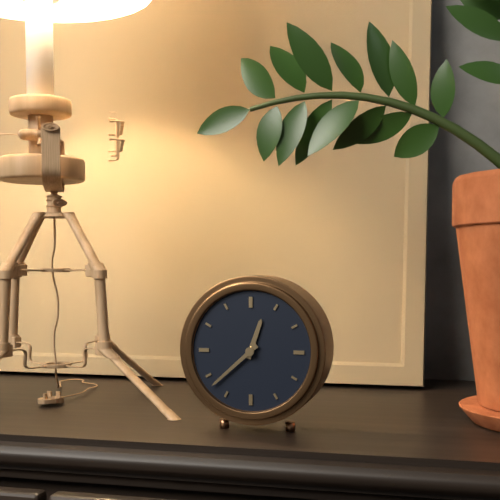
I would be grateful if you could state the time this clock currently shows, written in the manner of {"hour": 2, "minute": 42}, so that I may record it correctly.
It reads {"hour": 12, "minute": 38}
